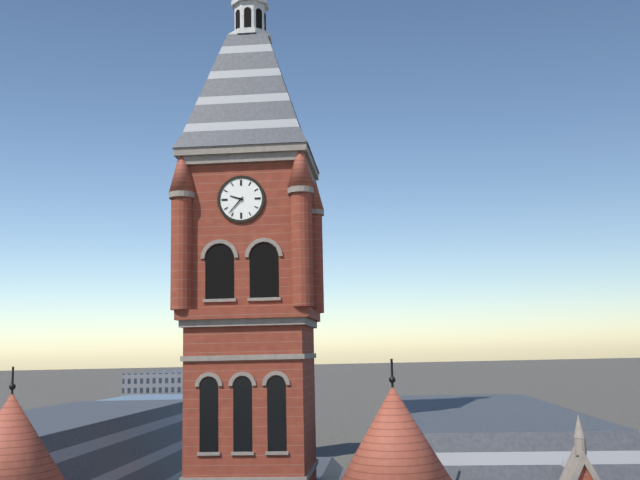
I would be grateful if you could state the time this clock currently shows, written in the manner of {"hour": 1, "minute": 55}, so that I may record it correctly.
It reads {"hour": 9, "minute": 37}
